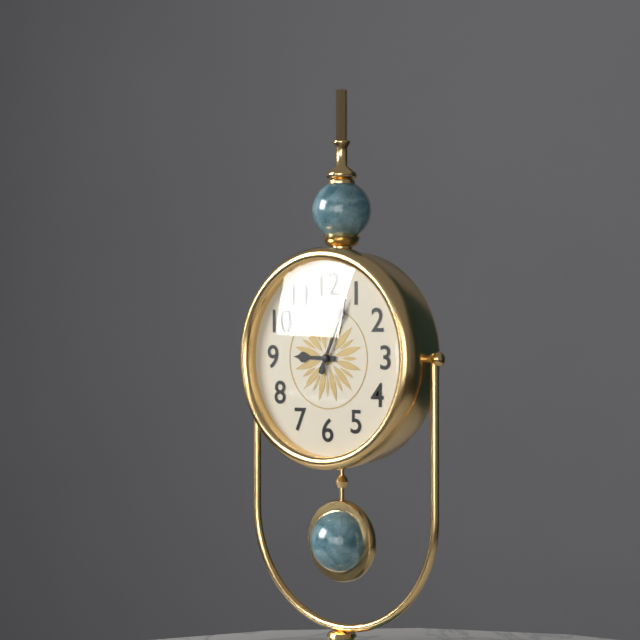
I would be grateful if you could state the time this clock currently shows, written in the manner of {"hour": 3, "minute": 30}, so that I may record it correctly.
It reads {"hour": 9, "minute": 4}
